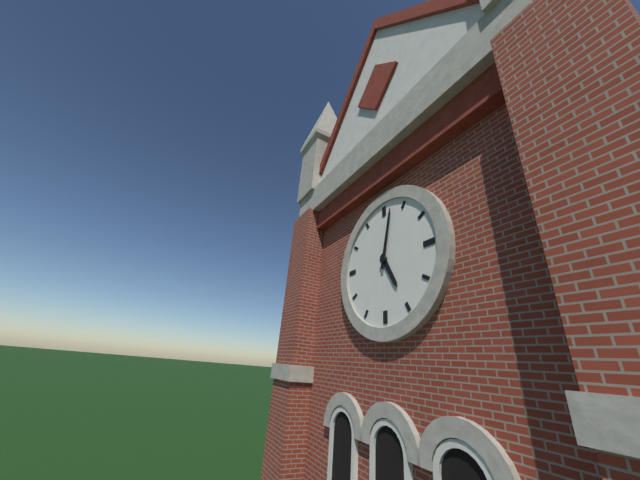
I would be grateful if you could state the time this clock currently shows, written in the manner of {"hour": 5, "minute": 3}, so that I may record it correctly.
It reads {"hour": 5, "minute": 2}
